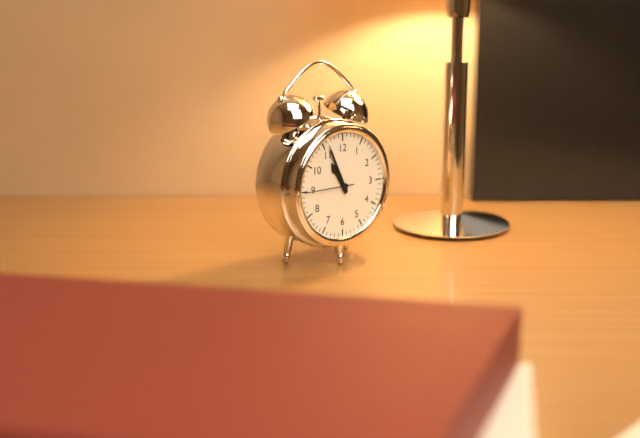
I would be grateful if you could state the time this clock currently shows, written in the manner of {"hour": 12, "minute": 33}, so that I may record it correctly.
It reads {"hour": 10, "minute": 56}
